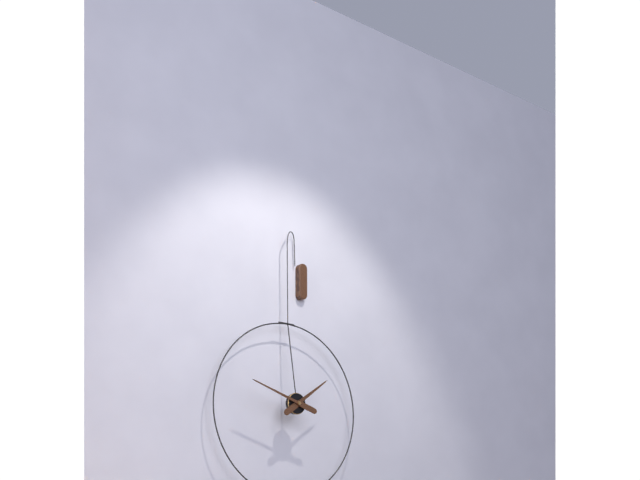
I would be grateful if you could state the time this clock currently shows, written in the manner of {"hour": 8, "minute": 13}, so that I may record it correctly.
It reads {"hour": 1, "minute": 48}
